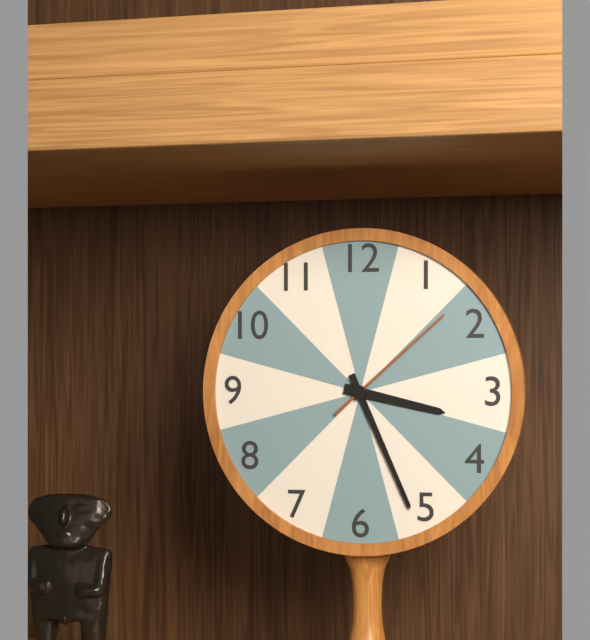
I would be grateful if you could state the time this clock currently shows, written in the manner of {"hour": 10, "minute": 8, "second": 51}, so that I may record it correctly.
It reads {"hour": 3, "minute": 26, "second": 8}
